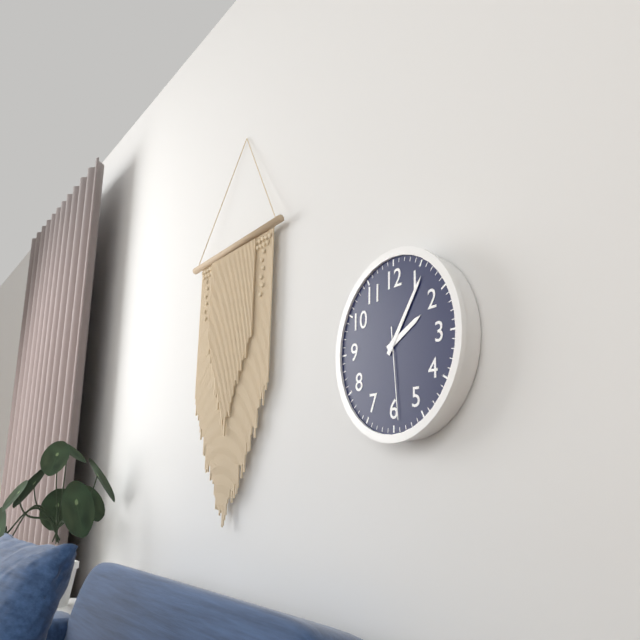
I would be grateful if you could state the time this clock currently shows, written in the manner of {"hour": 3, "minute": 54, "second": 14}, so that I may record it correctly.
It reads {"hour": 2, "minute": 6, "second": 29}
